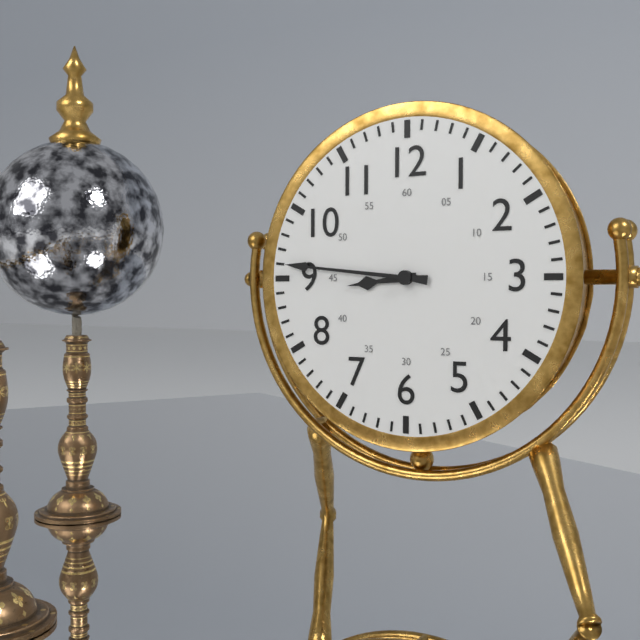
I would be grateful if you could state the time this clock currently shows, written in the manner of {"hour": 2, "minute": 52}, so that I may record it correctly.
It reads {"hour": 8, "minute": 46}
